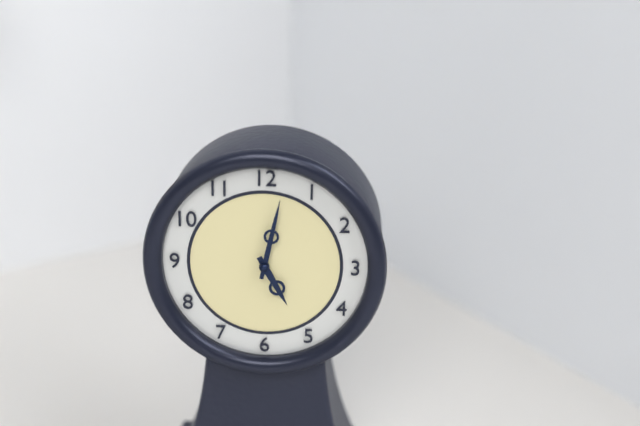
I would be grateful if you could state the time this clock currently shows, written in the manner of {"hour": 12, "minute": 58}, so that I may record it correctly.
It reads {"hour": 5, "minute": 2}
